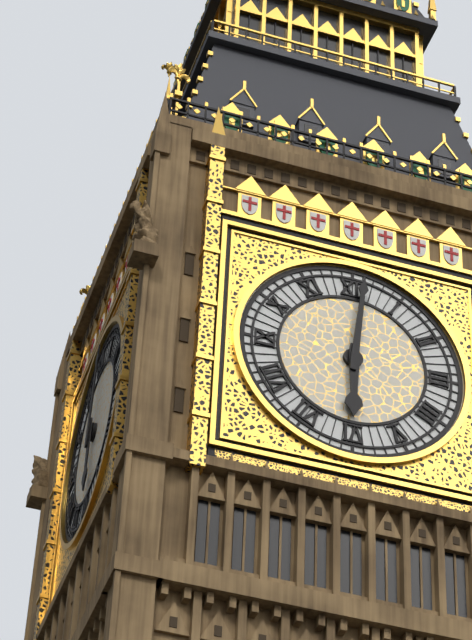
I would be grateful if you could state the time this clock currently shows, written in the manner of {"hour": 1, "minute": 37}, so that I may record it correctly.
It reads {"hour": 6, "minute": 1}
